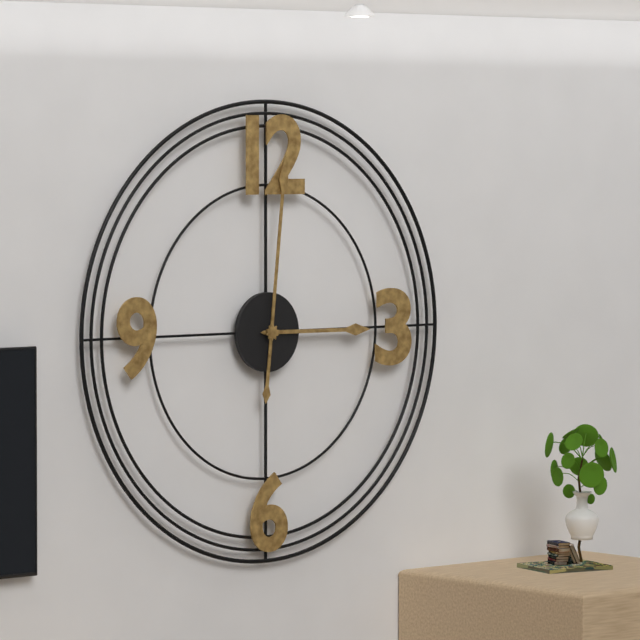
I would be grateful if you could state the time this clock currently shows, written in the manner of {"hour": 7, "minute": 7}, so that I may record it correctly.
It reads {"hour": 3, "minute": 1}
